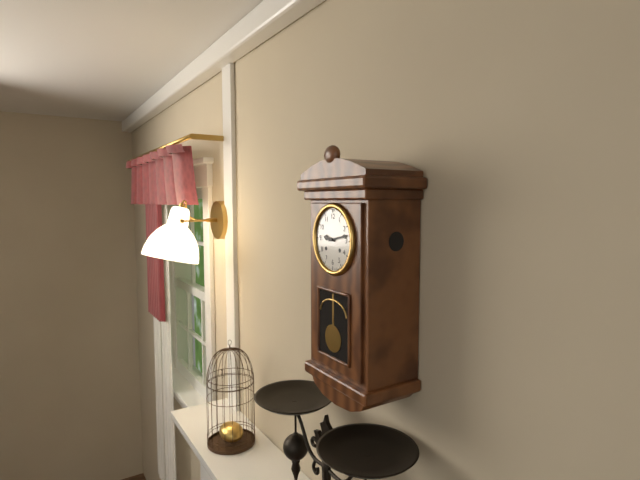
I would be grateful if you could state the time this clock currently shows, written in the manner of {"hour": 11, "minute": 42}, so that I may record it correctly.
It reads {"hour": 9, "minute": 13}
